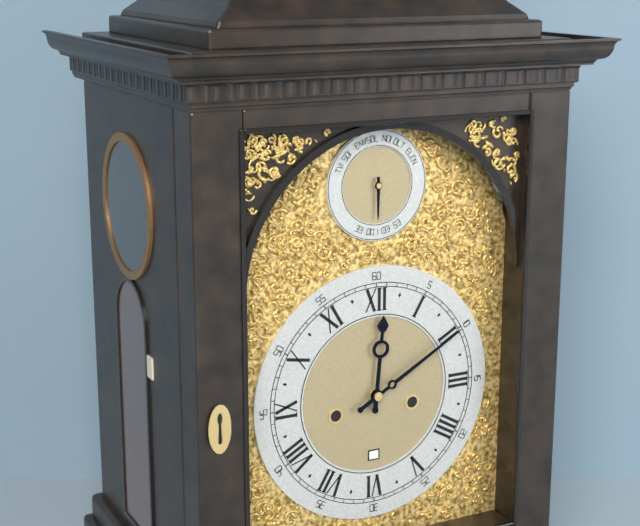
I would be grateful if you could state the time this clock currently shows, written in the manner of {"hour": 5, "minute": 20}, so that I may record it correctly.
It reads {"hour": 12, "minute": 10}
